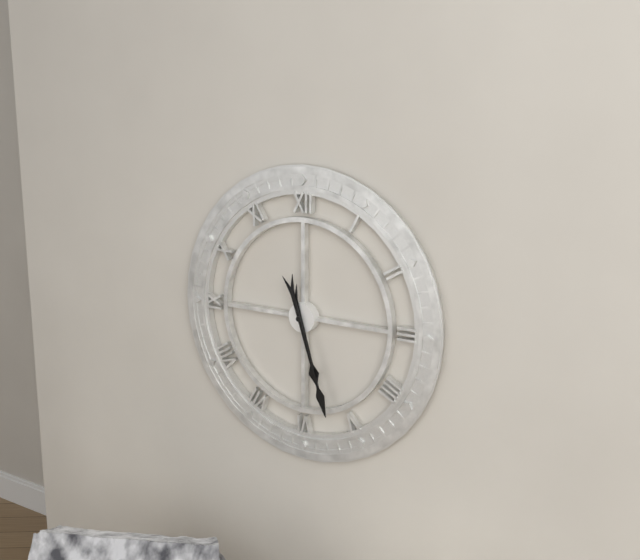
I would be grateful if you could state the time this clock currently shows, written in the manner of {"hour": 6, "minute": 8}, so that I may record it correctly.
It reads {"hour": 5, "minute": 27}
